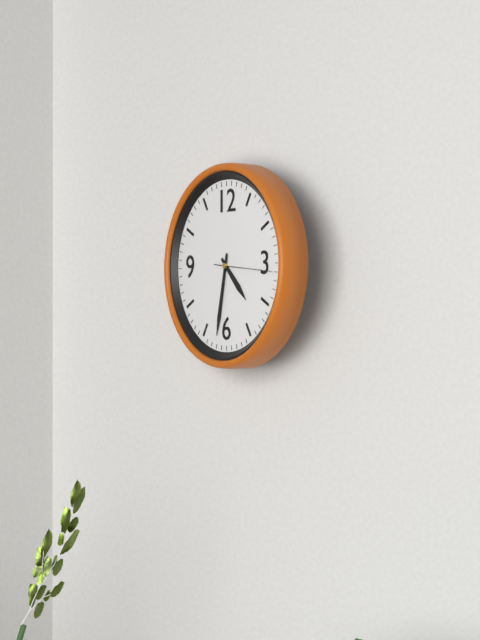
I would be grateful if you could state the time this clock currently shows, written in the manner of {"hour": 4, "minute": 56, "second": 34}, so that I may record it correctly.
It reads {"hour": 4, "minute": 32, "second": 16}
